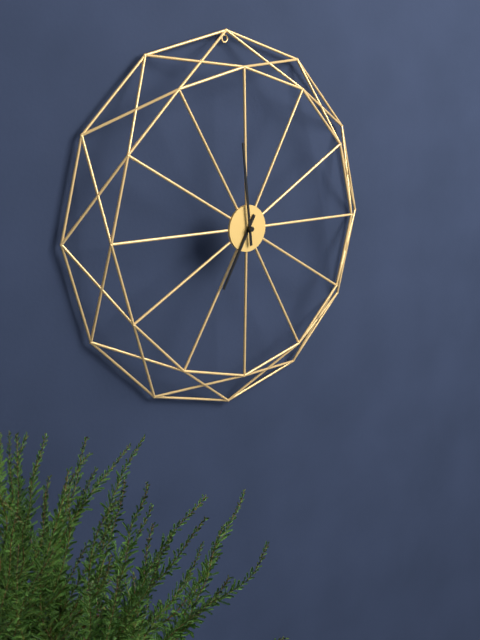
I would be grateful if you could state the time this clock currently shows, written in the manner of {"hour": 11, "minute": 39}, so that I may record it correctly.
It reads {"hour": 6, "minute": 59}
